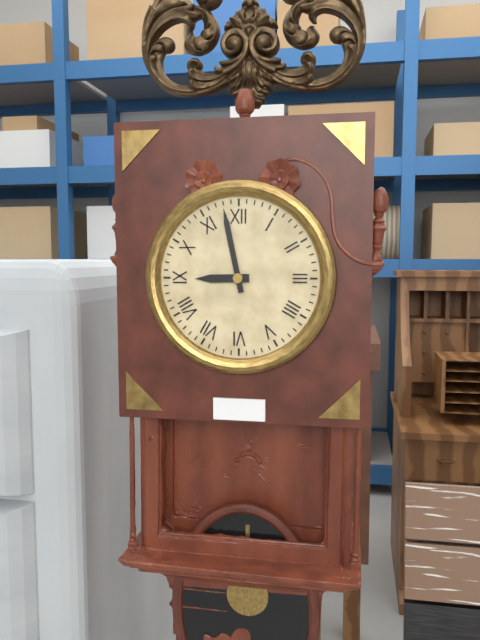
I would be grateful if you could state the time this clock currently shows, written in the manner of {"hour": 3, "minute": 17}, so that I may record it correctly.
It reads {"hour": 8, "minute": 58}
